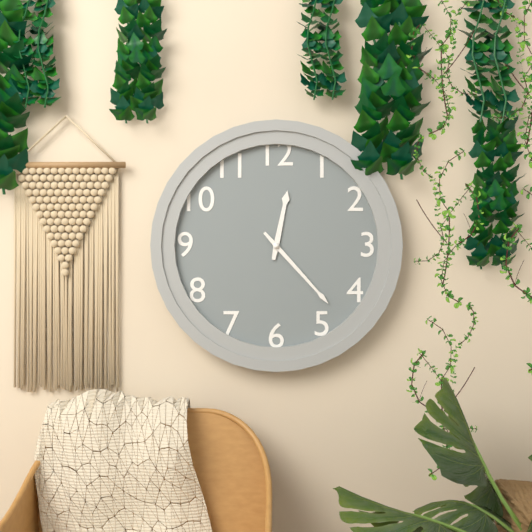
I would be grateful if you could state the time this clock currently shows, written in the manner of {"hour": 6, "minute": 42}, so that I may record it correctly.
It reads {"hour": 12, "minute": 23}
